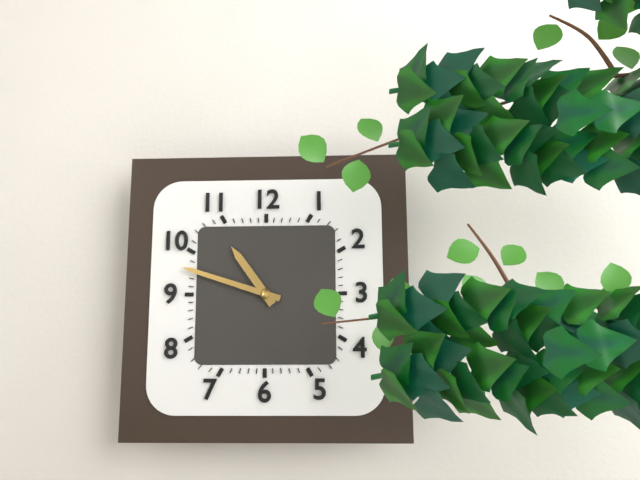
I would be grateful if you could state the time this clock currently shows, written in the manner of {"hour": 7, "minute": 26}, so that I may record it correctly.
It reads {"hour": 10, "minute": 48}
